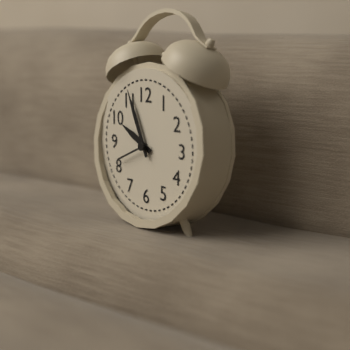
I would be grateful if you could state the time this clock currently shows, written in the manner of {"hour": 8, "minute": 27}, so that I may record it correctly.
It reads {"hour": 9, "minute": 56}
